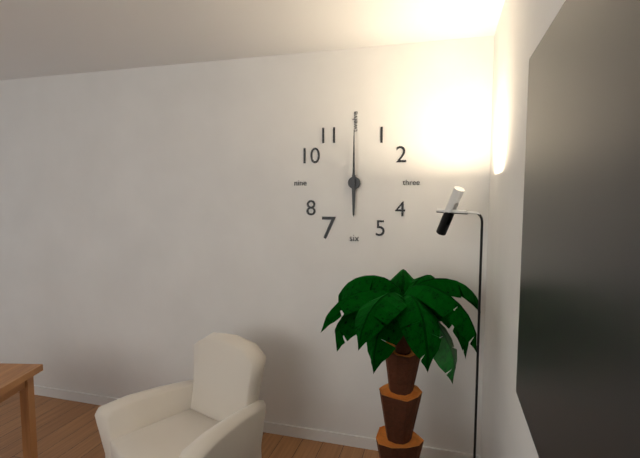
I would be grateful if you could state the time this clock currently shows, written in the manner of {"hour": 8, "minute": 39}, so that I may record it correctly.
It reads {"hour": 6, "minute": 0}
